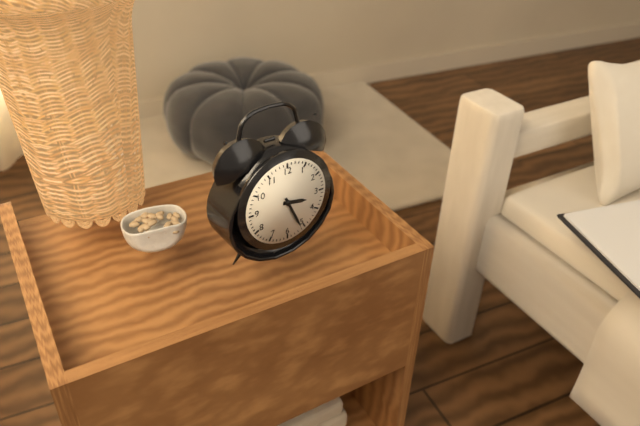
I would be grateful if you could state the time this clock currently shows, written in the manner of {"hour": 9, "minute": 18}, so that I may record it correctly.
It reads {"hour": 3, "minute": 26}
